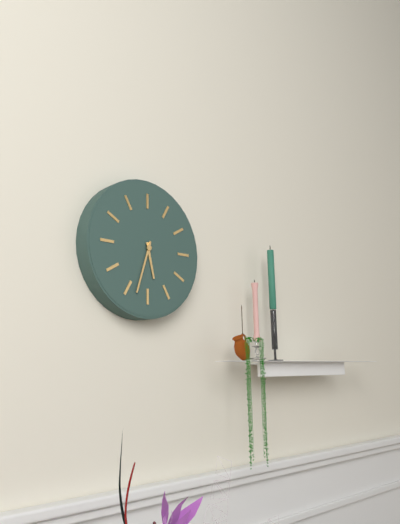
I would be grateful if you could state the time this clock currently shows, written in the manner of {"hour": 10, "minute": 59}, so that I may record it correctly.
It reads {"hour": 5, "minute": 33}
